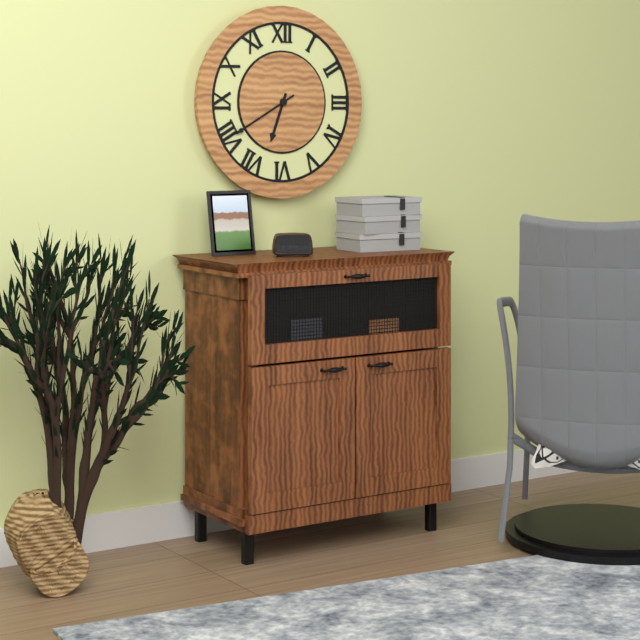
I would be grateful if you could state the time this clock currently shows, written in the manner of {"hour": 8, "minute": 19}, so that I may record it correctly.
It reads {"hour": 6, "minute": 40}
